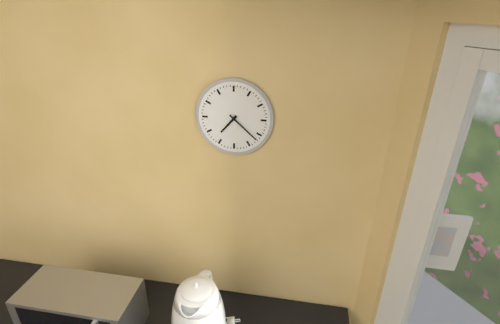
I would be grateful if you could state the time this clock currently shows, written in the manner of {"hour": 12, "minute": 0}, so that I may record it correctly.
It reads {"hour": 7, "minute": 22}
